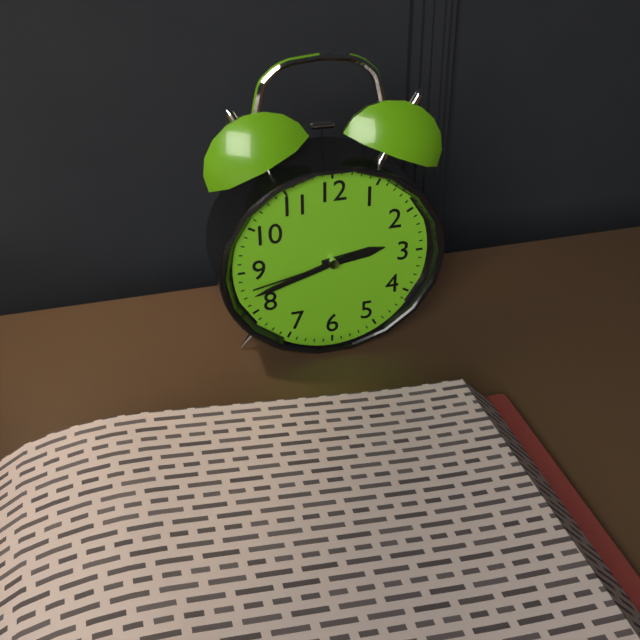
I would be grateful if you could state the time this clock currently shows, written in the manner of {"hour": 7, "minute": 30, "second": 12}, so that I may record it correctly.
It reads {"hour": 2, "minute": 42, "second": 43}
